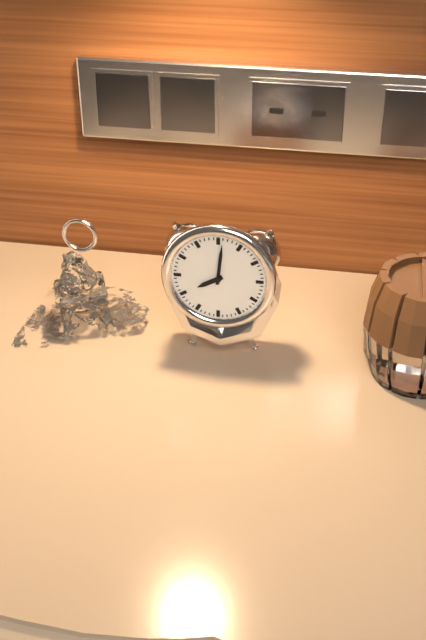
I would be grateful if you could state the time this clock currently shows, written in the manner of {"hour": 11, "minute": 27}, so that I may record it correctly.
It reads {"hour": 8, "minute": 1}
